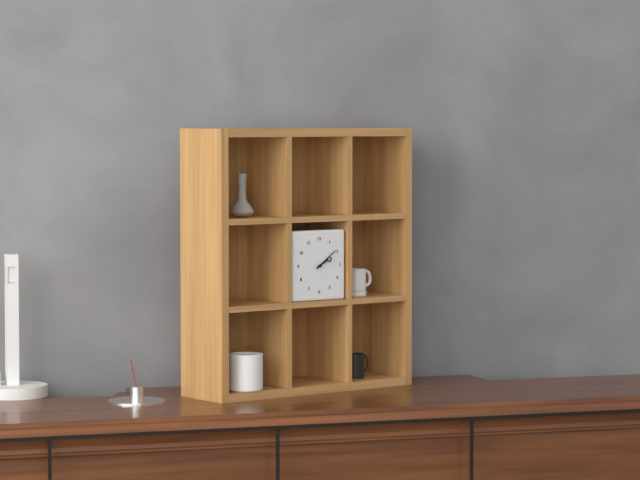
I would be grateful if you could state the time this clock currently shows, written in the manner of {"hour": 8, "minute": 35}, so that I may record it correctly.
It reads {"hour": 2, "minute": 9}
